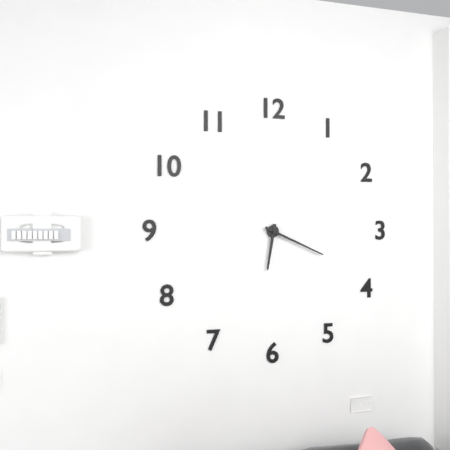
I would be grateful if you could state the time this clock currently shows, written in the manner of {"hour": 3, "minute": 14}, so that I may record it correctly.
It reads {"hour": 6, "minute": 19}
